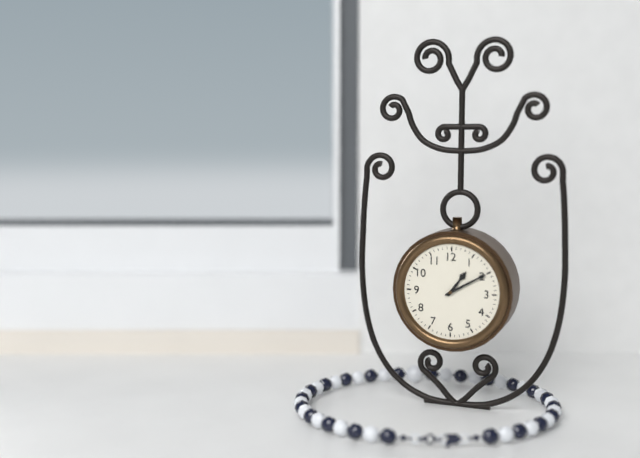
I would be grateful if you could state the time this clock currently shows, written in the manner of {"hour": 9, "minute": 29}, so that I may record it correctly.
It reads {"hour": 1, "minute": 10}
